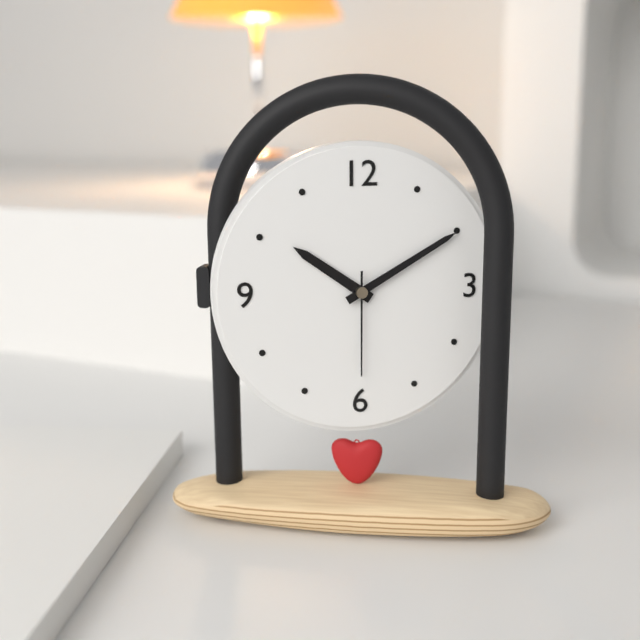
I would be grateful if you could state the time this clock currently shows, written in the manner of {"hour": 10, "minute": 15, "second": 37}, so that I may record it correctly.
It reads {"hour": 10, "minute": 10, "second": 30}
